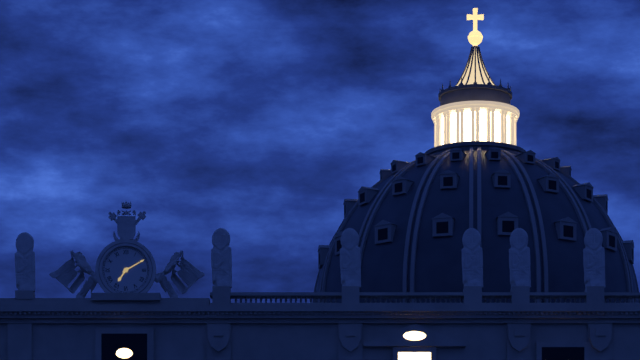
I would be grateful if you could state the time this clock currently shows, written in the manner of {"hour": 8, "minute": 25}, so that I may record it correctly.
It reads {"hour": 7, "minute": 10}
